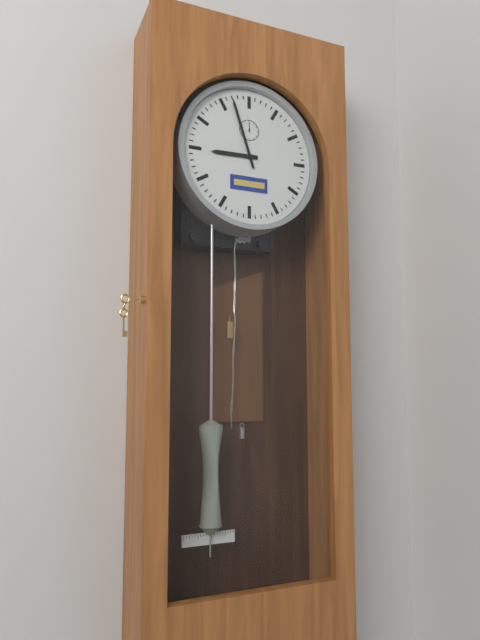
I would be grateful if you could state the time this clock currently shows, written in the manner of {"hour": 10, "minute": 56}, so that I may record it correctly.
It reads {"hour": 8, "minute": 57}
